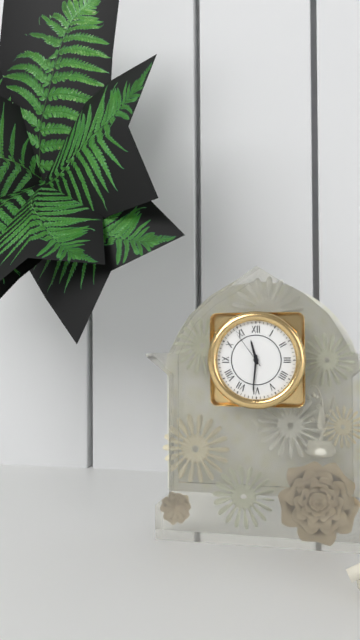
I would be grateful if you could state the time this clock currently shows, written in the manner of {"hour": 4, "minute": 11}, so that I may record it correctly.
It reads {"hour": 11, "minute": 31}
